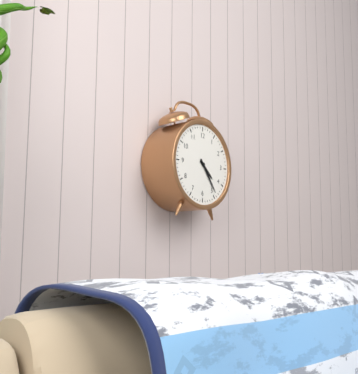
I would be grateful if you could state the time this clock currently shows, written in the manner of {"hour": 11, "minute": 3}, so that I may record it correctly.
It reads {"hour": 4, "minute": 24}
